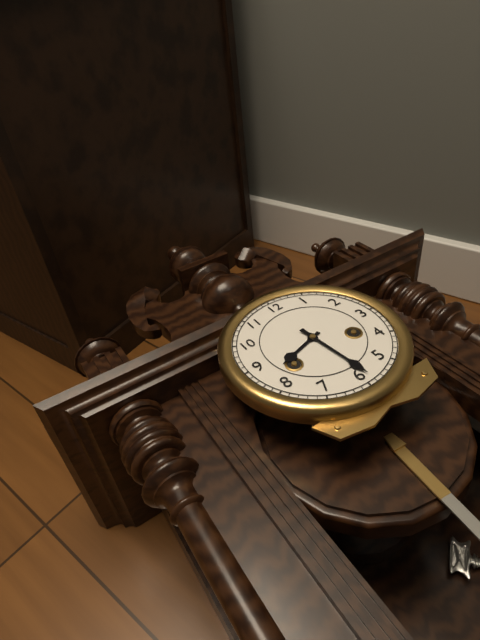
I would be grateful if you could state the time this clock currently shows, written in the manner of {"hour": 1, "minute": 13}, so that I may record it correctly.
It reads {"hour": 8, "minute": 29}
